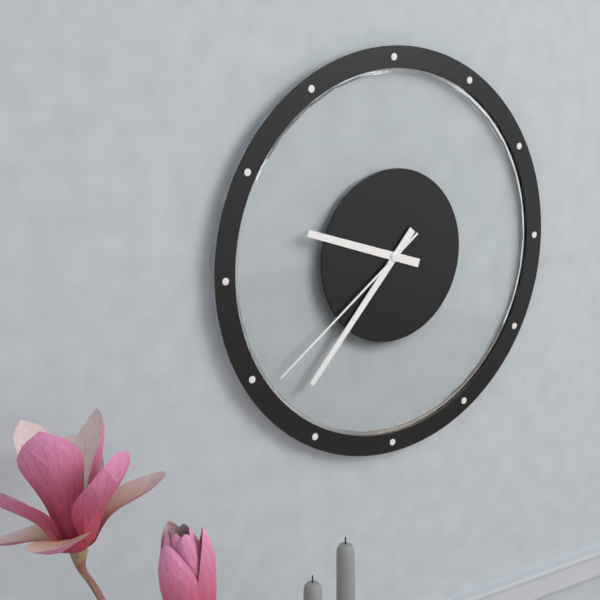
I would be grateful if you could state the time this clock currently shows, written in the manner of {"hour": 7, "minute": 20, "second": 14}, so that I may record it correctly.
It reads {"hour": 9, "minute": 37, "second": 39}
